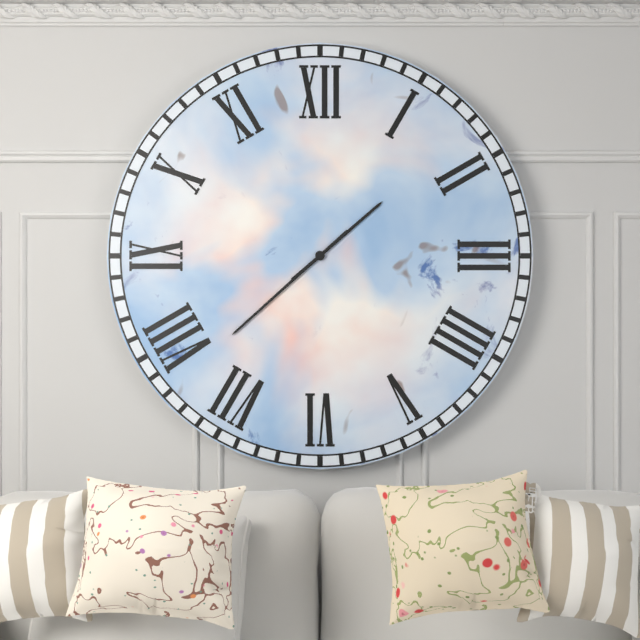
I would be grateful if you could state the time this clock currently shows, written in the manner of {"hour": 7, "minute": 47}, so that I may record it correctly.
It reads {"hour": 1, "minute": 38}
